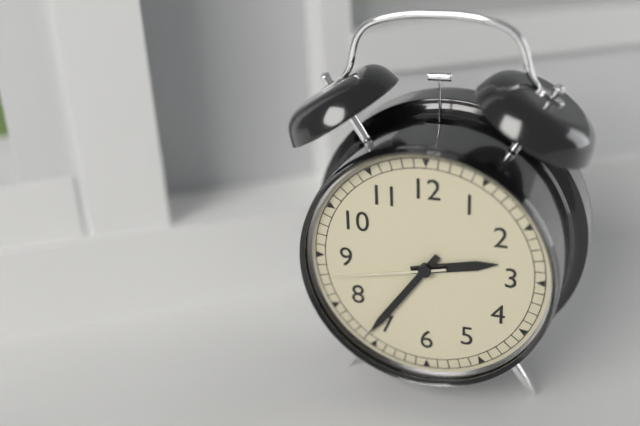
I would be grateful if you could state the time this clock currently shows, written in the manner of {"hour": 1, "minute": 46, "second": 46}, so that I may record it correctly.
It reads {"hour": 2, "minute": 36, "second": 43}
